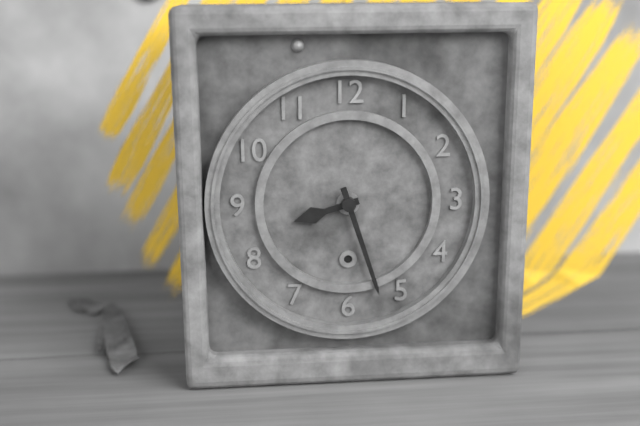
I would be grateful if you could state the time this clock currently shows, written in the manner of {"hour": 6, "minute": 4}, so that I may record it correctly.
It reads {"hour": 8, "minute": 27}
